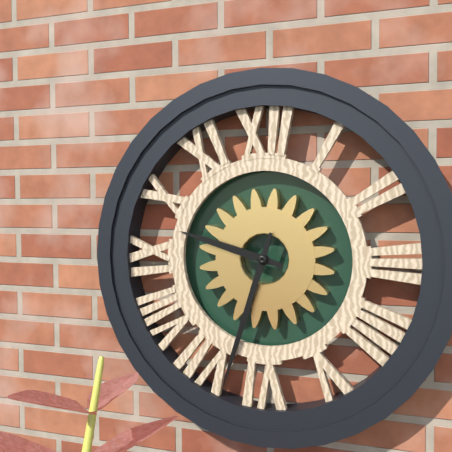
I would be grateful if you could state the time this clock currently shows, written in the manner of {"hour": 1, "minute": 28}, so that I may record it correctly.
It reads {"hour": 9, "minute": 33}
